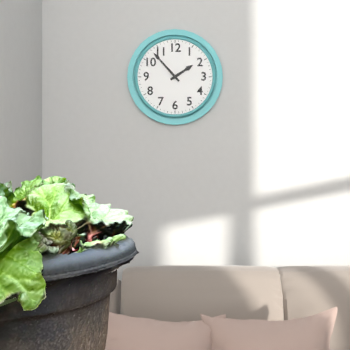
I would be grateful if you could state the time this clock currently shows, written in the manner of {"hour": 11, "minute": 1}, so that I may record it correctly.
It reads {"hour": 1, "minute": 53}
